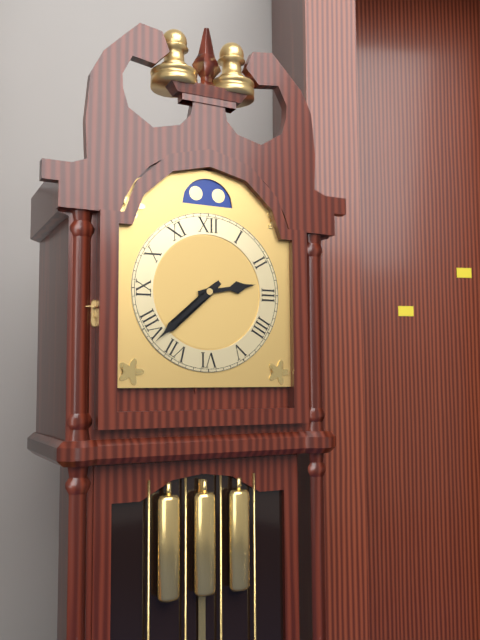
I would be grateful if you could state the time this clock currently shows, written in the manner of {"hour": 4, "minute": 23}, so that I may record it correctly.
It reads {"hour": 2, "minute": 38}
